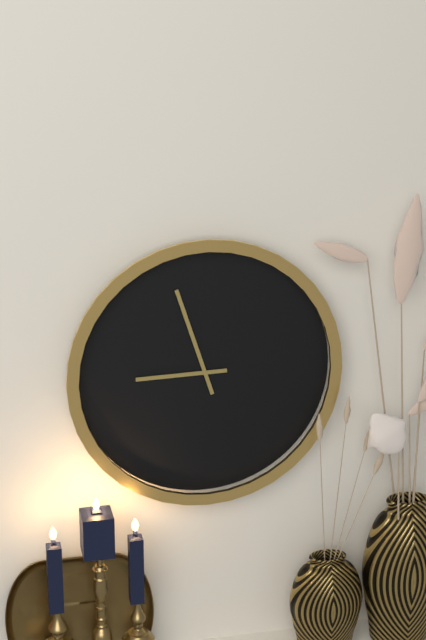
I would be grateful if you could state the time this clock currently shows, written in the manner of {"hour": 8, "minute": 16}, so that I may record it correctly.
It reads {"hour": 8, "minute": 57}
